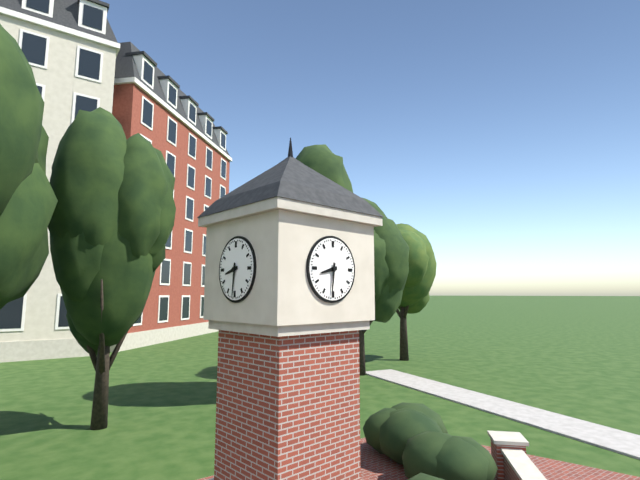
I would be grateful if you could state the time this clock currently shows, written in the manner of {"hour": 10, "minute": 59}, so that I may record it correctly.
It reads {"hour": 8, "minute": 31}
